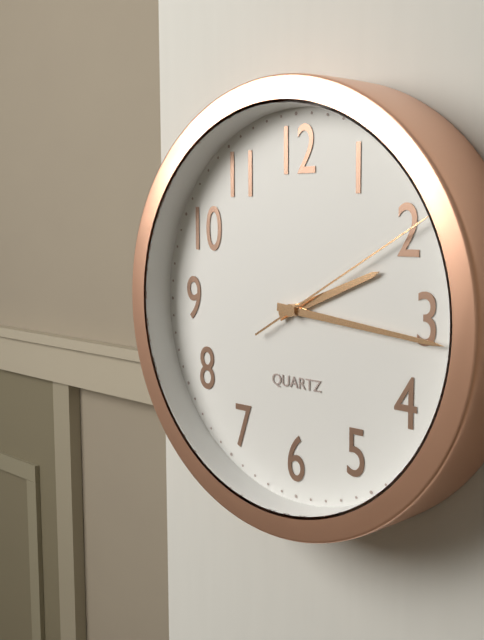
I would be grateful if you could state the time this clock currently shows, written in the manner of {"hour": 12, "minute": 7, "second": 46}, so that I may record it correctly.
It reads {"hour": 2, "minute": 16, "second": 10}
